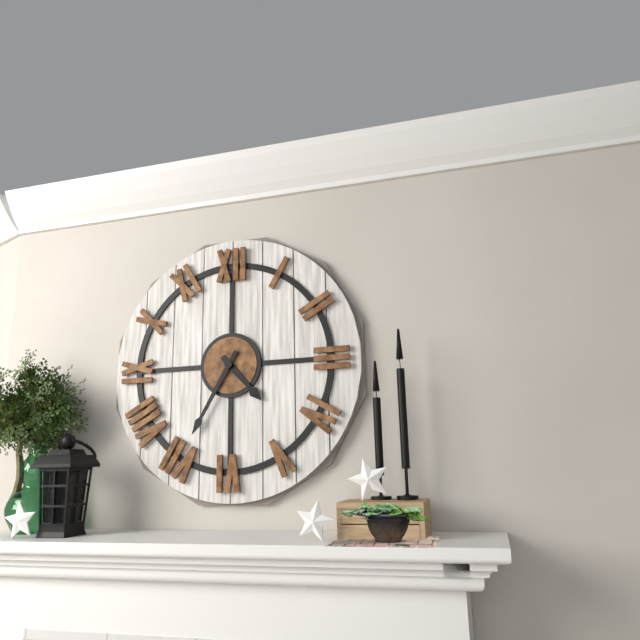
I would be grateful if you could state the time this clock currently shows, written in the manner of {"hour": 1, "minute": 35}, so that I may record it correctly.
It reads {"hour": 4, "minute": 35}
